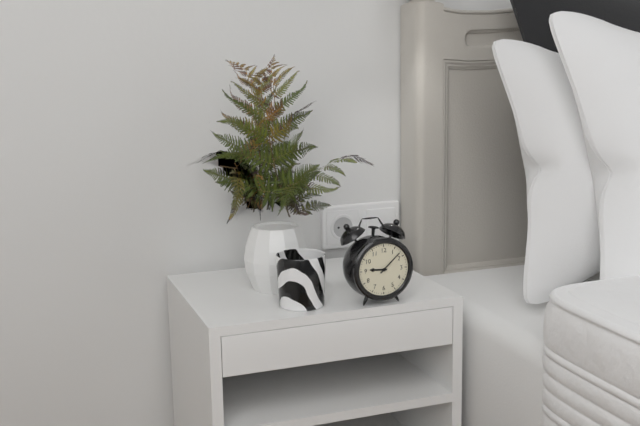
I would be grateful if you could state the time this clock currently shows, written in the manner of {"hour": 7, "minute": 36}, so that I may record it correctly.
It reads {"hour": 9, "minute": 8}
